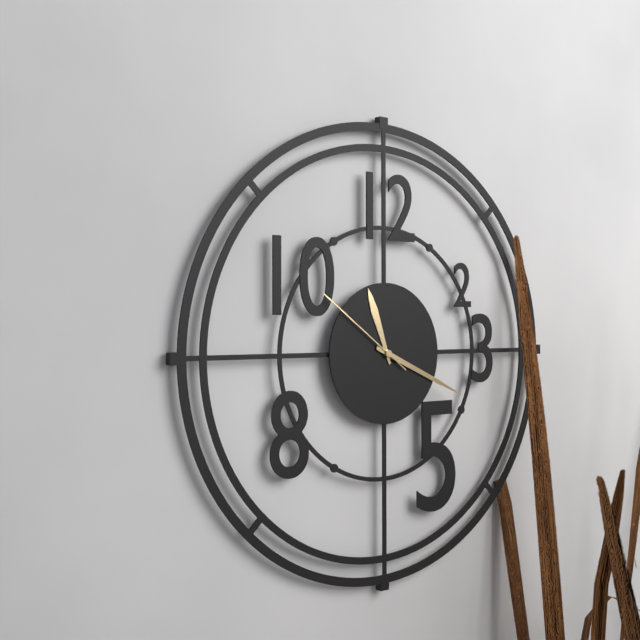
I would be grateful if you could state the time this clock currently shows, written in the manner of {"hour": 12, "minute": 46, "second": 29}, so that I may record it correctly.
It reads {"hour": 11, "minute": 19, "second": 51}
